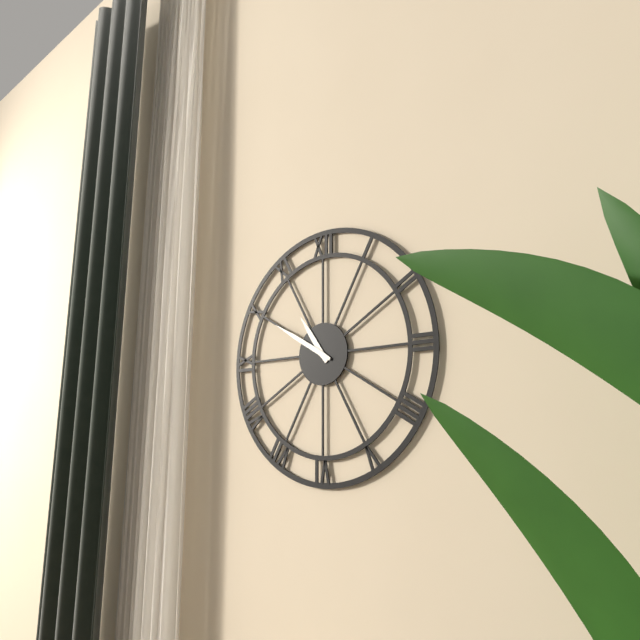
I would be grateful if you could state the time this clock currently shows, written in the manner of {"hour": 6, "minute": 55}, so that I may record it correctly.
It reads {"hour": 10, "minute": 50}
